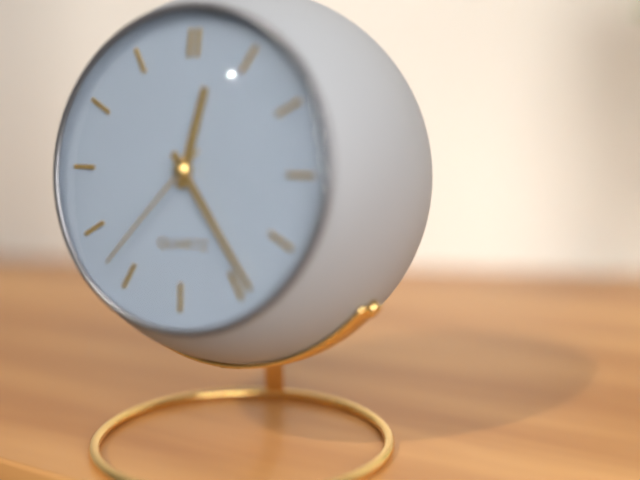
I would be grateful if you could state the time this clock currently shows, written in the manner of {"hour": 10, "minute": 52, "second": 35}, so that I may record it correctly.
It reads {"hour": 12, "minute": 24, "second": 37}
